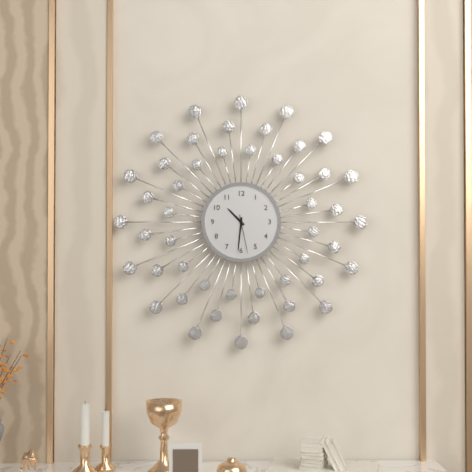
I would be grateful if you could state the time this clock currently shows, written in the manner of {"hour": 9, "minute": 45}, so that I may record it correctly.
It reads {"hour": 10, "minute": 31}
